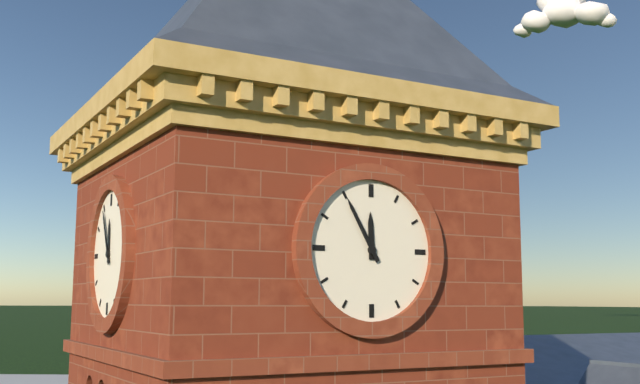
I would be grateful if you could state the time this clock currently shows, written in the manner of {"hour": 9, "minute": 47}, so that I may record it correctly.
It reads {"hour": 11, "minute": 55}
